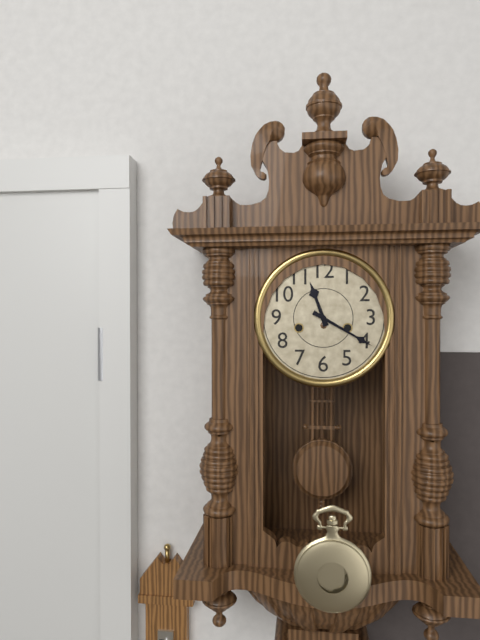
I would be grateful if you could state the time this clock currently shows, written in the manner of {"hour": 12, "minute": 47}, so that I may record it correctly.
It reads {"hour": 11, "minute": 20}
